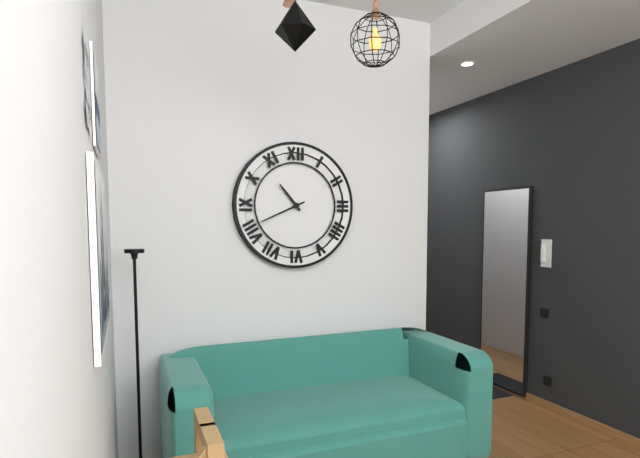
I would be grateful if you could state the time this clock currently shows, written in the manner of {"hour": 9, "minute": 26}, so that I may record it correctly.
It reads {"hour": 10, "minute": 41}
